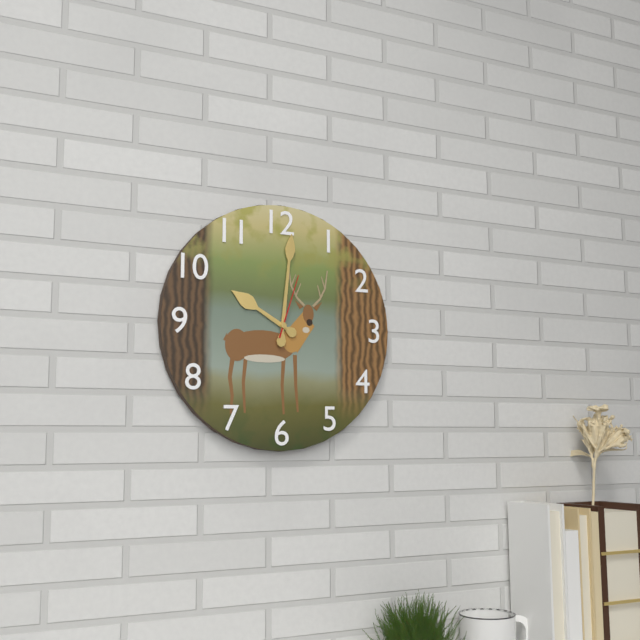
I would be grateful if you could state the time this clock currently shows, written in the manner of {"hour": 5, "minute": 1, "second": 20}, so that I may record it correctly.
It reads {"hour": 10, "minute": 1, "second": 3}
